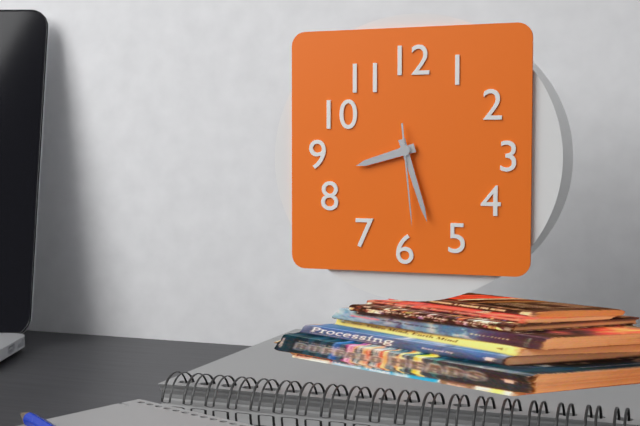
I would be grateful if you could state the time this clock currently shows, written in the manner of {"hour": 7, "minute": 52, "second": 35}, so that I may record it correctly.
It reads {"hour": 8, "minute": 27, "second": 29}
